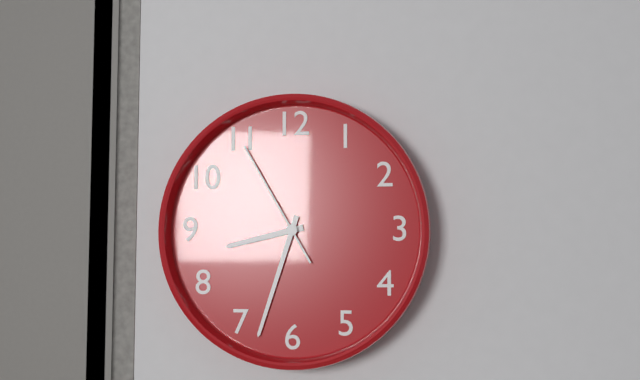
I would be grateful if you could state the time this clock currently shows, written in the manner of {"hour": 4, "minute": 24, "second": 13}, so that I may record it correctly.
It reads {"hour": 8, "minute": 33, "second": 55}
